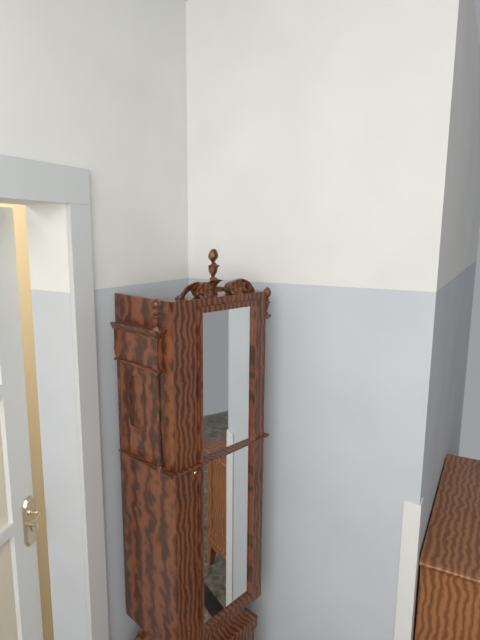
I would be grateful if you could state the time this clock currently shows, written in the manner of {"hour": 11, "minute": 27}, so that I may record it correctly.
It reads {"hour": 5, "minute": 48}
